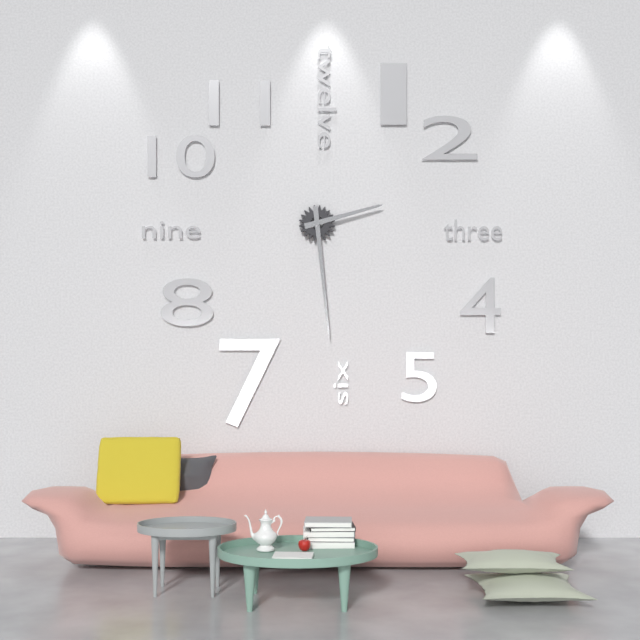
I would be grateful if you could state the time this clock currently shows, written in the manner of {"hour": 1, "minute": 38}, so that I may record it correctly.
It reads {"hour": 2, "minute": 29}
